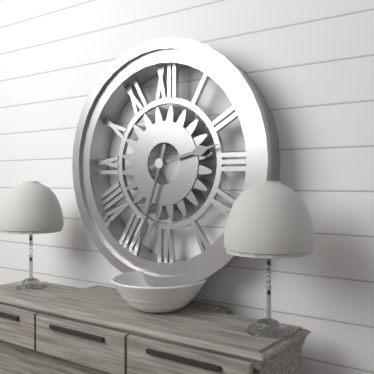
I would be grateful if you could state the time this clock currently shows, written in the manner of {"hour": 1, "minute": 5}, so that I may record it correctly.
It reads {"hour": 2, "minute": 33}
